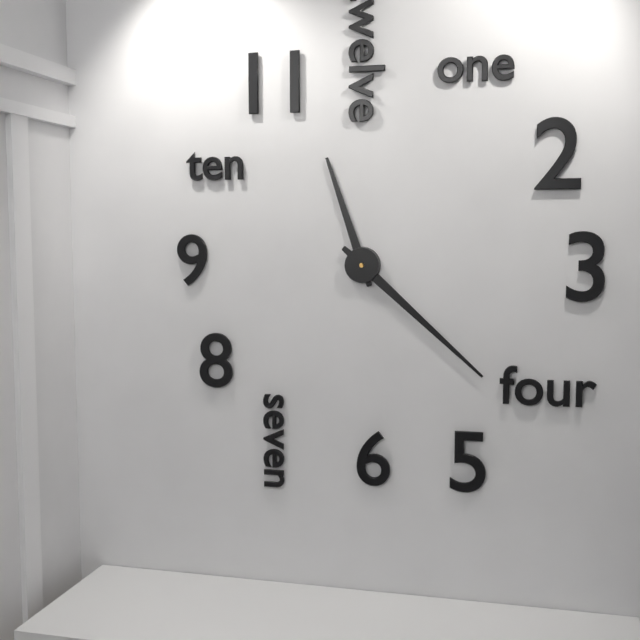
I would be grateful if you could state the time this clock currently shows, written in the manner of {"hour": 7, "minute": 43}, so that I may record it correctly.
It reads {"hour": 11, "minute": 22}
